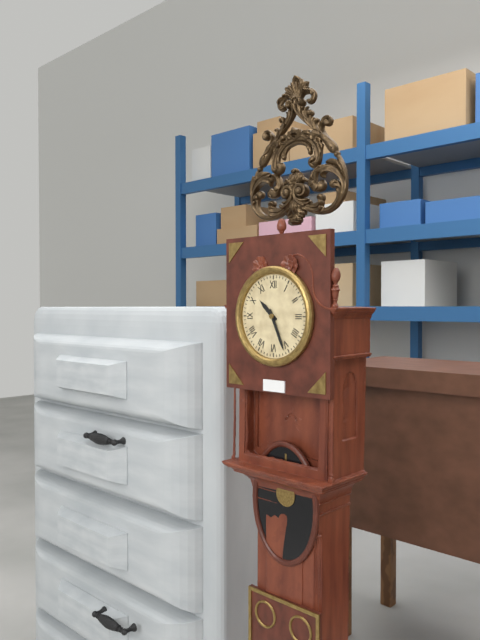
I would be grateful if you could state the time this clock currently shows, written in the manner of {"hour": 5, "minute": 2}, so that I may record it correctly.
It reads {"hour": 10, "minute": 26}
